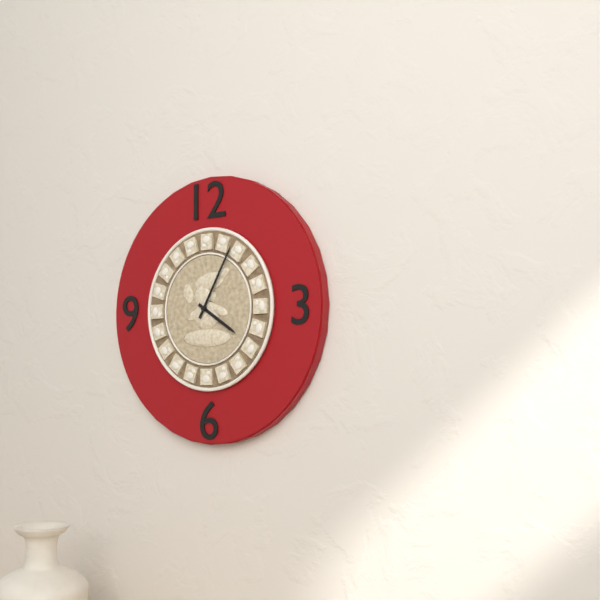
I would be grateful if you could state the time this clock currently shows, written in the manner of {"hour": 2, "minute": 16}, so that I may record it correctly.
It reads {"hour": 4, "minute": 5}
